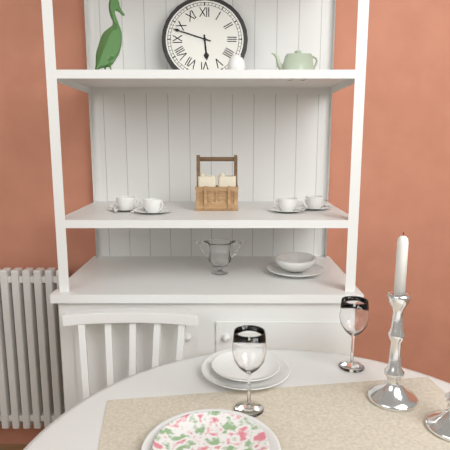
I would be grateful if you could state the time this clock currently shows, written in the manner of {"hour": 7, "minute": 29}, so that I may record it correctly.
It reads {"hour": 5, "minute": 48}
